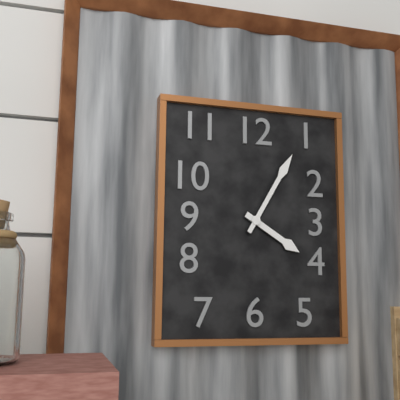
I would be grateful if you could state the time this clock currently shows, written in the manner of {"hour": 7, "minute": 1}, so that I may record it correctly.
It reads {"hour": 4, "minute": 5}
